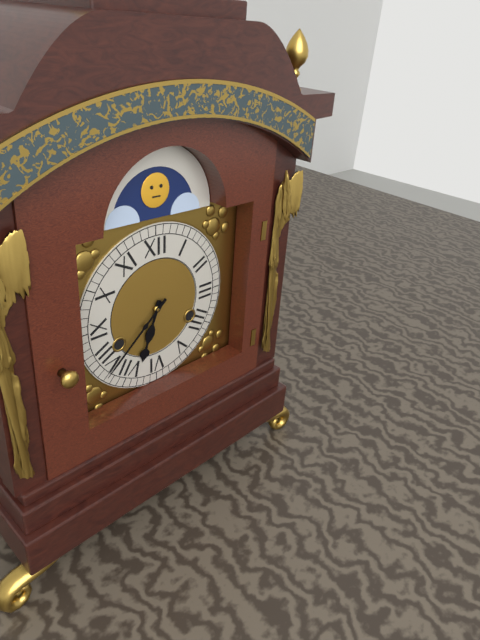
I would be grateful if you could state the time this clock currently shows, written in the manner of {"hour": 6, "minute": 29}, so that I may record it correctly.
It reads {"hour": 6, "minute": 38}
